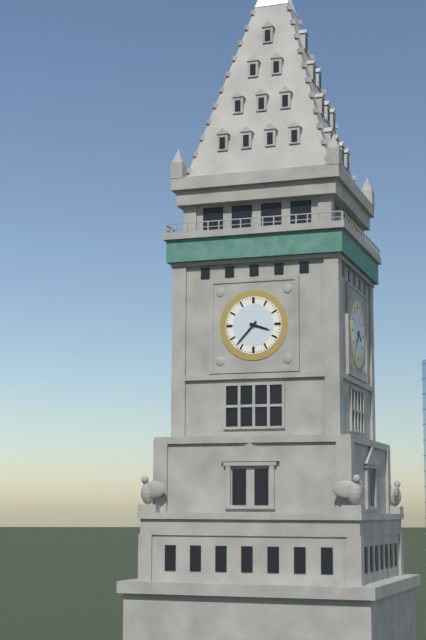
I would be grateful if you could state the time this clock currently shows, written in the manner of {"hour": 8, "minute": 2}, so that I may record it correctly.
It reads {"hour": 3, "minute": 37}
